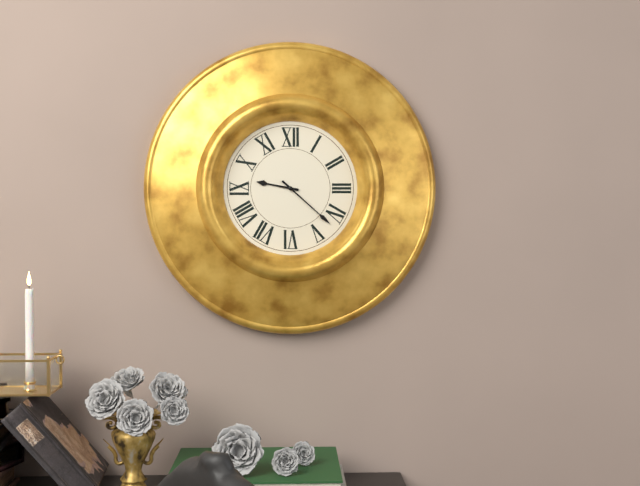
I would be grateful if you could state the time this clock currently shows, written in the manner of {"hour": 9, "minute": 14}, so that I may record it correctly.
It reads {"hour": 9, "minute": 22}
